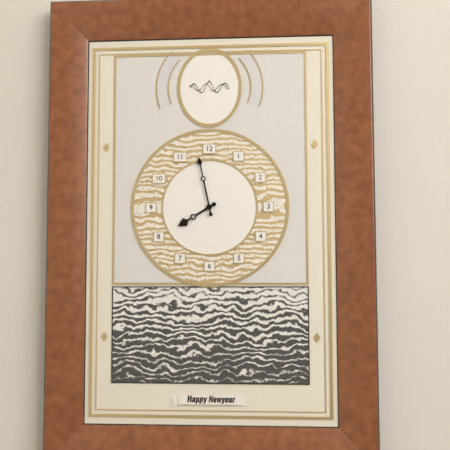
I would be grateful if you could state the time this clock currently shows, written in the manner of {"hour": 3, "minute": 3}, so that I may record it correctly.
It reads {"hour": 7, "minute": 58}
